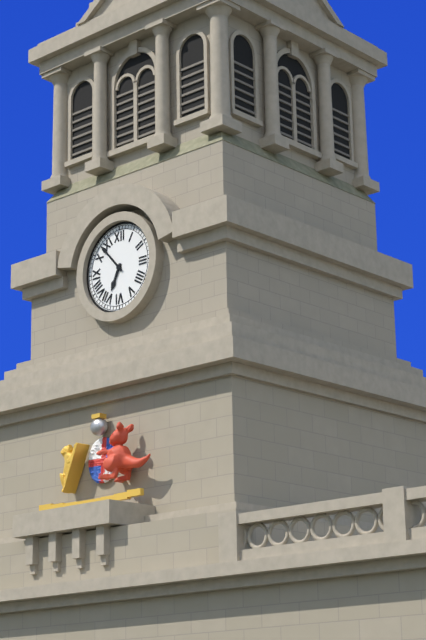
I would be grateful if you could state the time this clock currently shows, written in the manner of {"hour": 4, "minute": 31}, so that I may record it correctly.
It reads {"hour": 6, "minute": 53}
